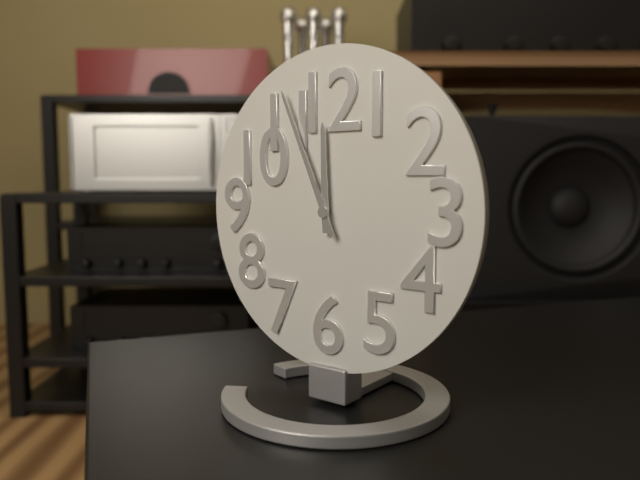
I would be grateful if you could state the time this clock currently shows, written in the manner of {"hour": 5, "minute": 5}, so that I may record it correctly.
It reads {"hour": 11, "minute": 56}
